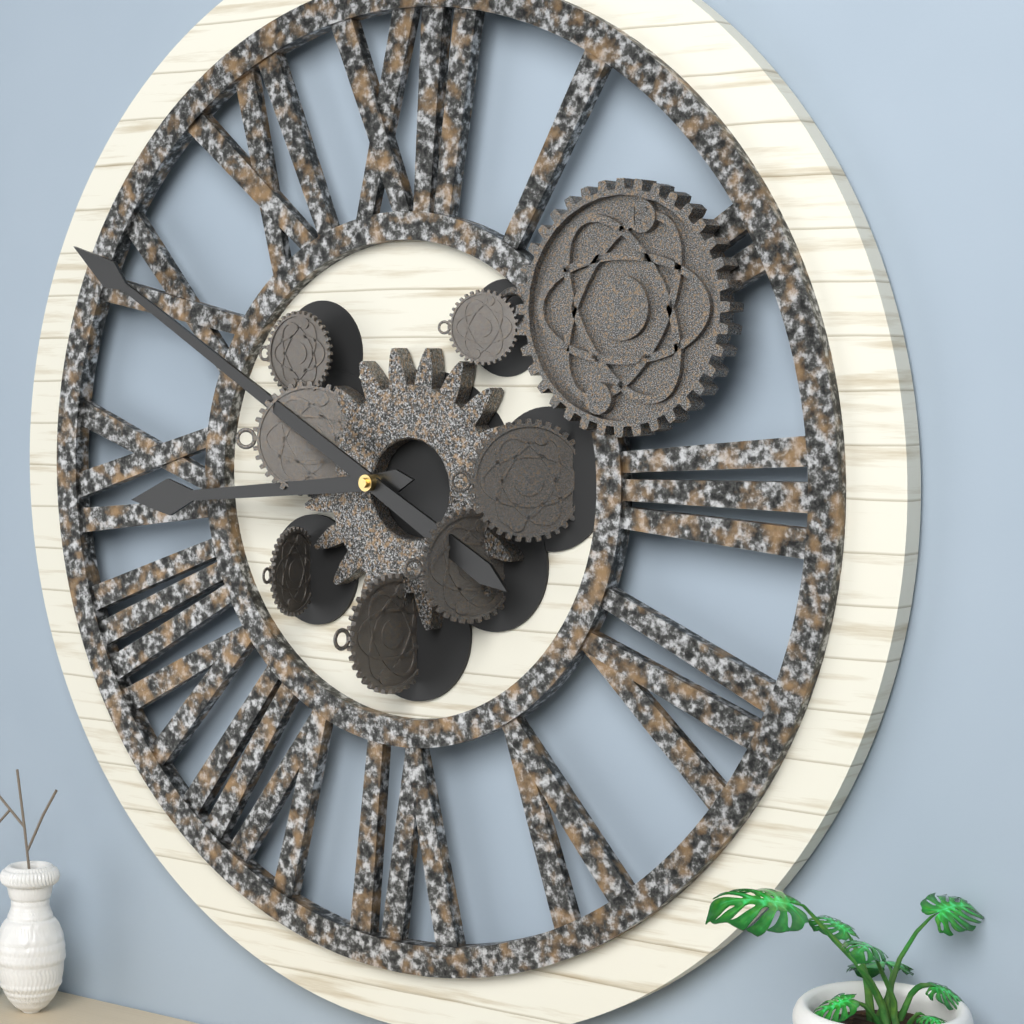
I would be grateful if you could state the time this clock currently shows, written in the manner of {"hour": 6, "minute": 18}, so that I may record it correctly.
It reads {"hour": 8, "minute": 50}
